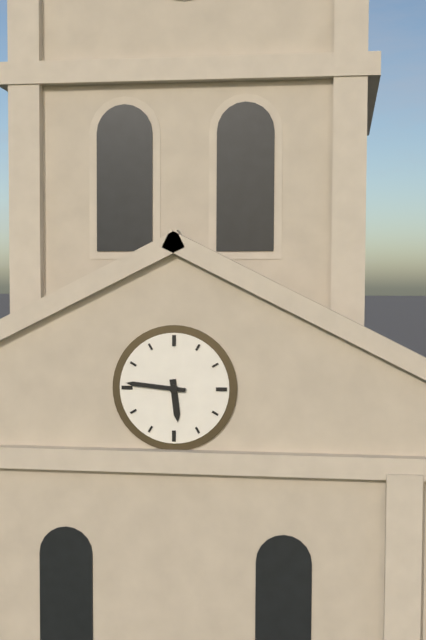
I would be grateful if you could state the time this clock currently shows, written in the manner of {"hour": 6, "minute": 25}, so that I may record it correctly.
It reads {"hour": 5, "minute": 46}
